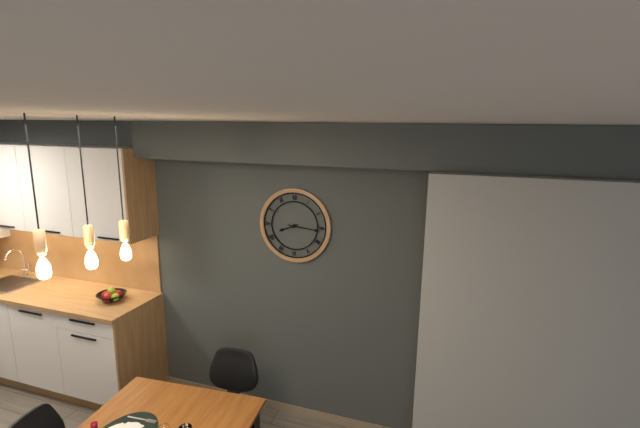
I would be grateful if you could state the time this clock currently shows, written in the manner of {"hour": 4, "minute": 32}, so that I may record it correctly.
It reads {"hour": 8, "minute": 16}
